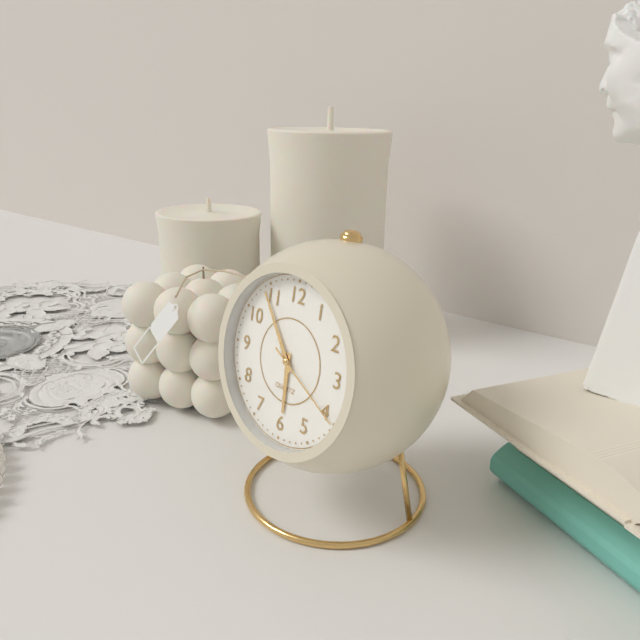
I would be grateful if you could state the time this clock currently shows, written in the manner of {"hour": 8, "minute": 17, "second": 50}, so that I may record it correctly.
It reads {"hour": 5, "minute": 54, "second": 20}
